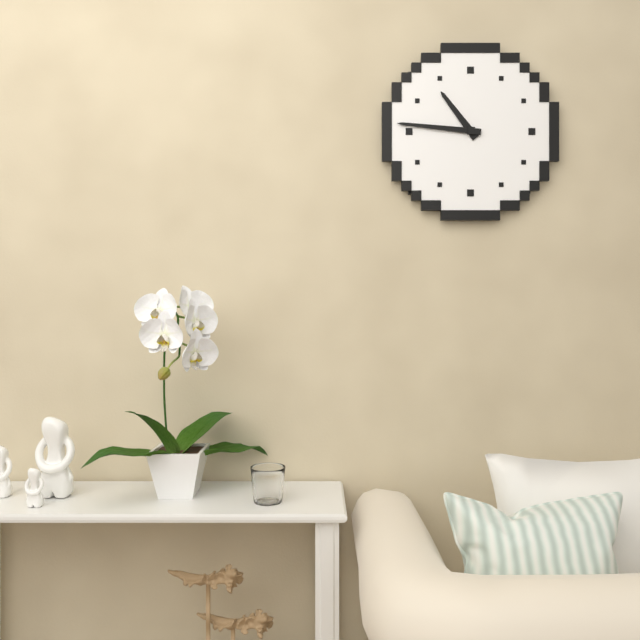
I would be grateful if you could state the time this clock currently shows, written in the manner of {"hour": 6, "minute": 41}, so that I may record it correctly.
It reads {"hour": 10, "minute": 46}
